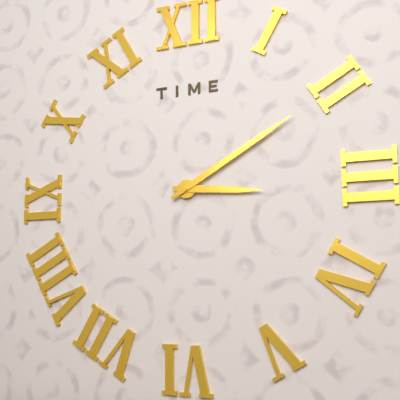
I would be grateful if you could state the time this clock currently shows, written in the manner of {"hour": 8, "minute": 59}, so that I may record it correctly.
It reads {"hour": 3, "minute": 10}
